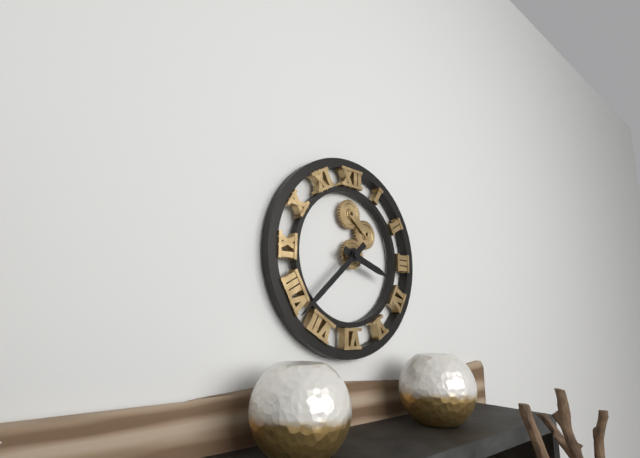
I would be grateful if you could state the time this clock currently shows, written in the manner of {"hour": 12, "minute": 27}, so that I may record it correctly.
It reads {"hour": 3, "minute": 38}
